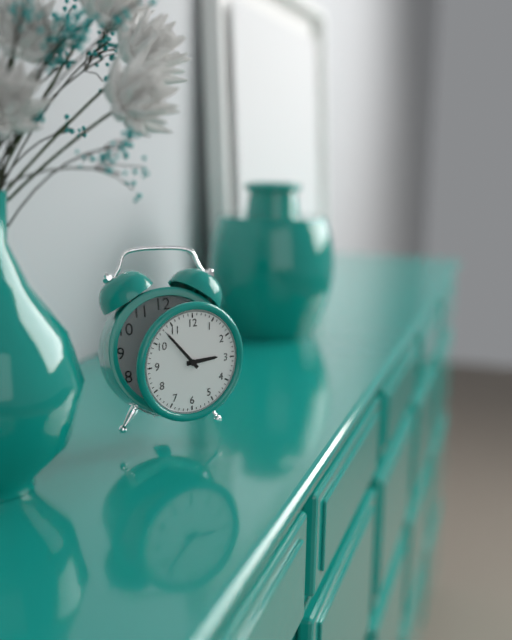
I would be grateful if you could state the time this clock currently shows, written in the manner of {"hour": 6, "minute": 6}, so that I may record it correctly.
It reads {"hour": 2, "minute": 53}
